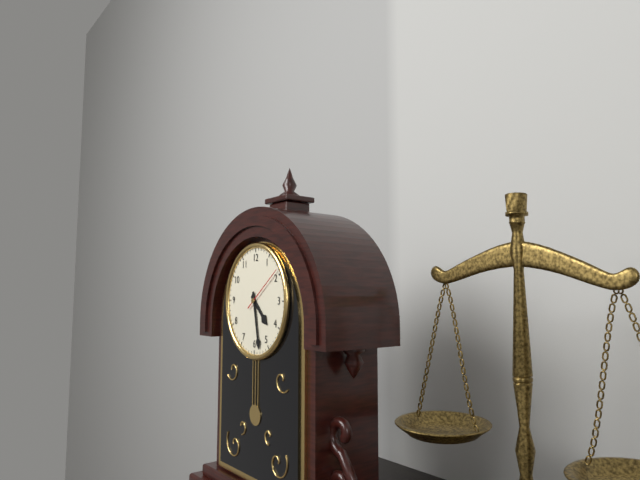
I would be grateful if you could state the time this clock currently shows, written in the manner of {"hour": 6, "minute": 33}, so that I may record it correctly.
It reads {"hour": 4, "minute": 28}
